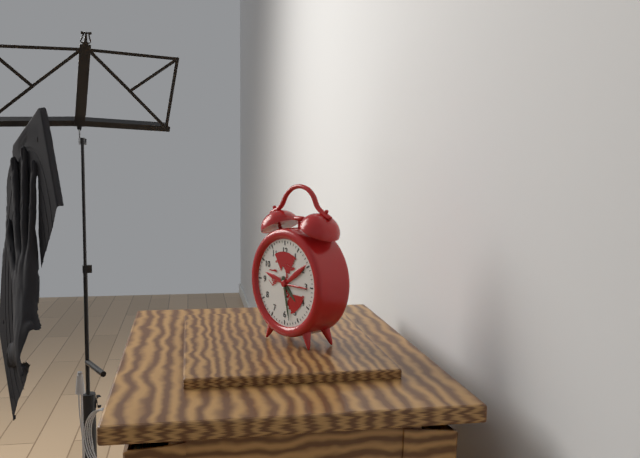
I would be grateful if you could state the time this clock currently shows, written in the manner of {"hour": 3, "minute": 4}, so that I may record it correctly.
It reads {"hour": 4, "minute": 28}
